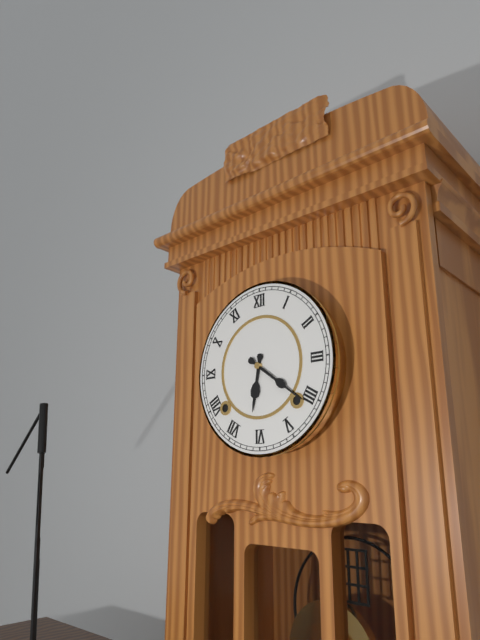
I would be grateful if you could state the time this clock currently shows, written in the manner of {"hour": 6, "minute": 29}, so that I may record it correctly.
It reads {"hour": 6, "minute": 21}
